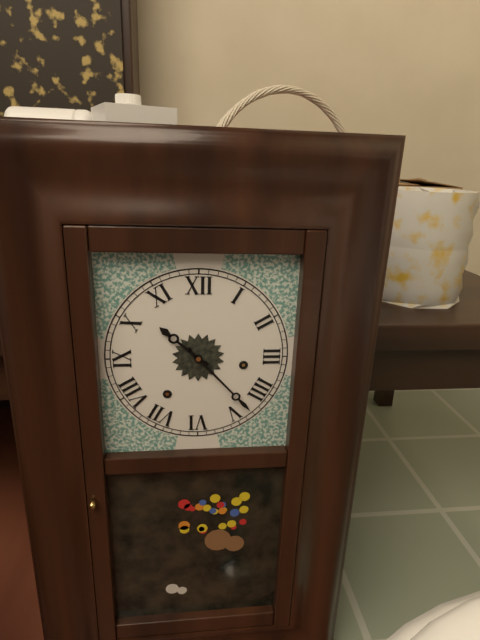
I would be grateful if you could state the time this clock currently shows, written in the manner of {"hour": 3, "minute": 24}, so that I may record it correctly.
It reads {"hour": 10, "minute": 23}
